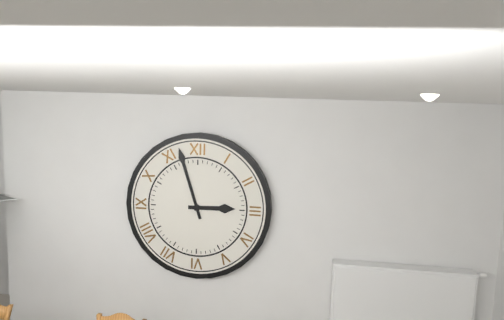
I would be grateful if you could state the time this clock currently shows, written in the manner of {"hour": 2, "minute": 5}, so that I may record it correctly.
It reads {"hour": 2, "minute": 57}
